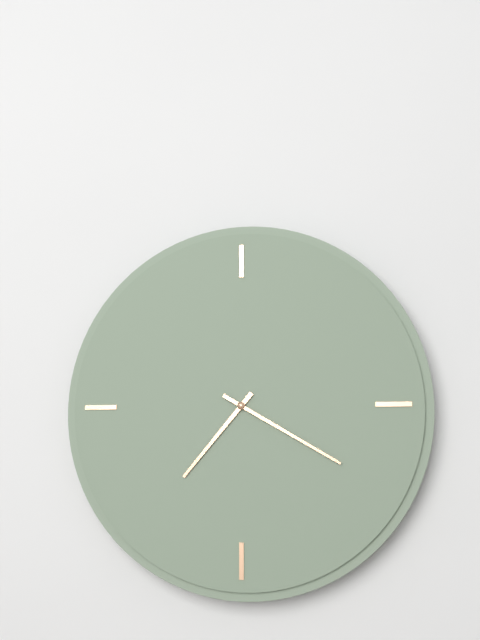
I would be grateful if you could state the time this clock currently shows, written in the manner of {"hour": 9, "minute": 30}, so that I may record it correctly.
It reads {"hour": 7, "minute": 20}
